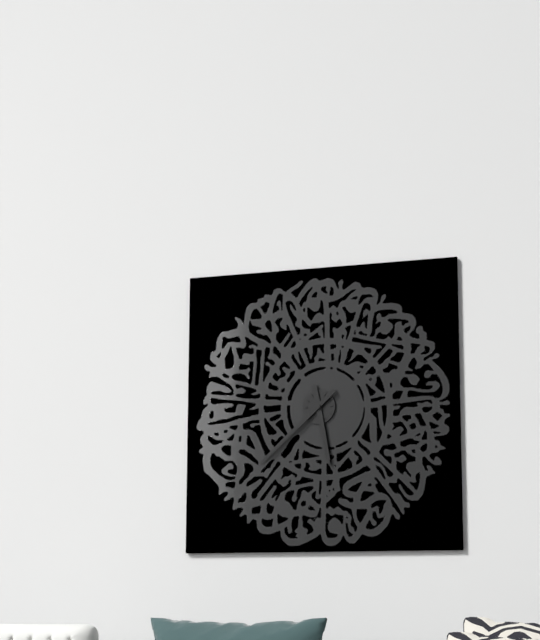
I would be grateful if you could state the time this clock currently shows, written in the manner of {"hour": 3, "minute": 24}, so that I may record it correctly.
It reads {"hour": 5, "minute": 38}
